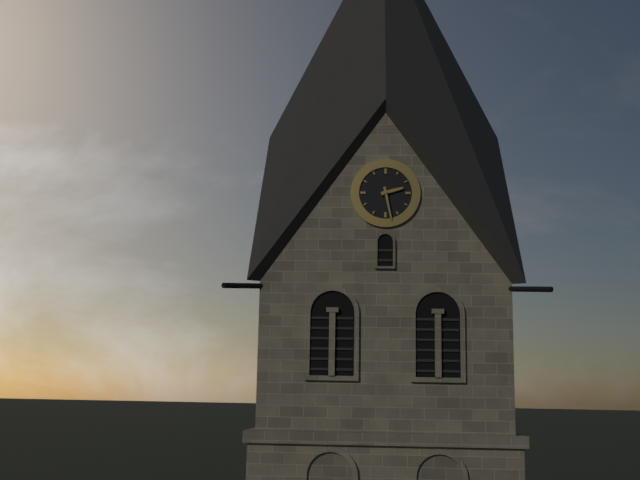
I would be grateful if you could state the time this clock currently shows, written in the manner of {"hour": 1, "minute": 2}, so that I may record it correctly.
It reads {"hour": 2, "minute": 28}
